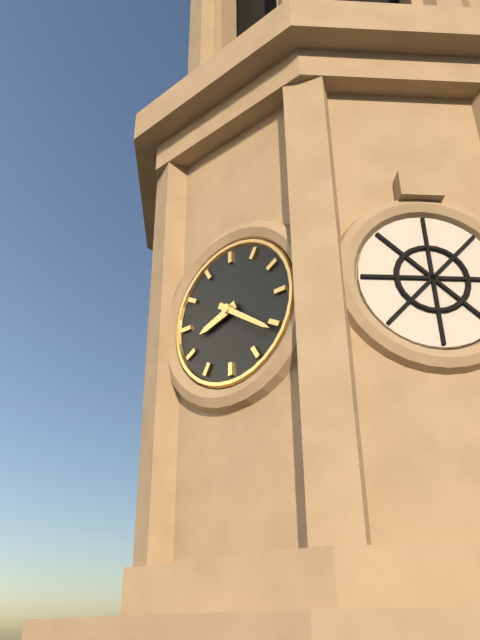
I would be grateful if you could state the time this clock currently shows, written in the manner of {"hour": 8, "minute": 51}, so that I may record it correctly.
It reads {"hour": 8, "minute": 21}
